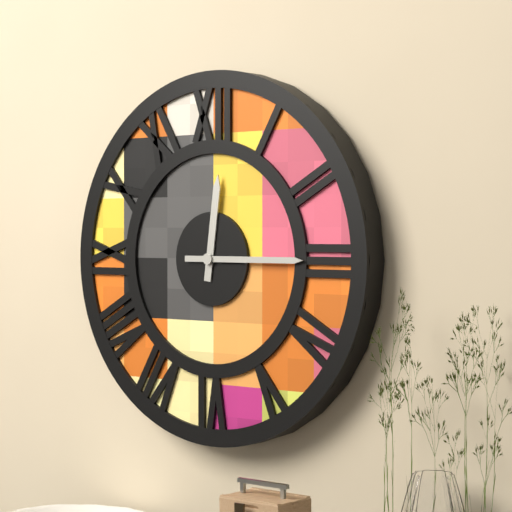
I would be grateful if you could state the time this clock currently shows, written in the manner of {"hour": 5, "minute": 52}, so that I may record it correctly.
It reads {"hour": 12, "minute": 15}
